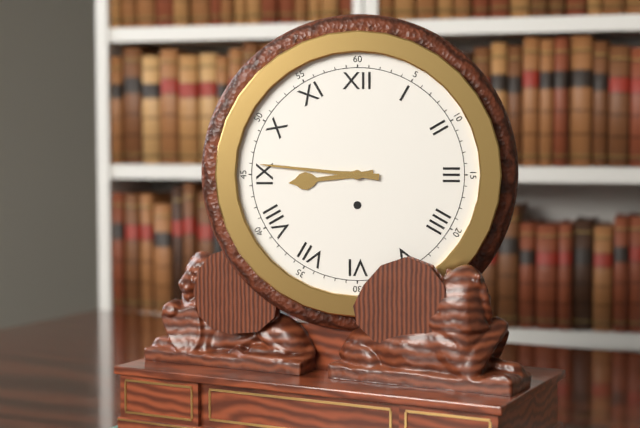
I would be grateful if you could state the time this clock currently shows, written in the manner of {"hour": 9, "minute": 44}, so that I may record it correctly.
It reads {"hour": 8, "minute": 46}
